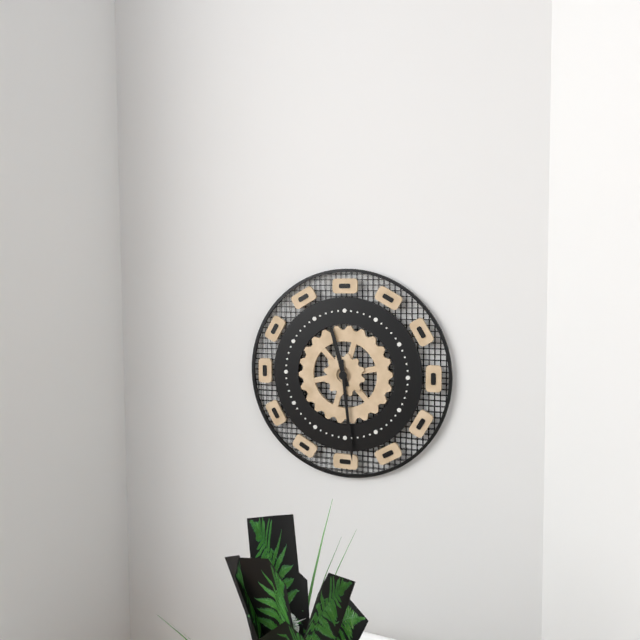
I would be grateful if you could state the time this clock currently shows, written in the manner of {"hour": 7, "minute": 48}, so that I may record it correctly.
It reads {"hour": 11, "minute": 29}
